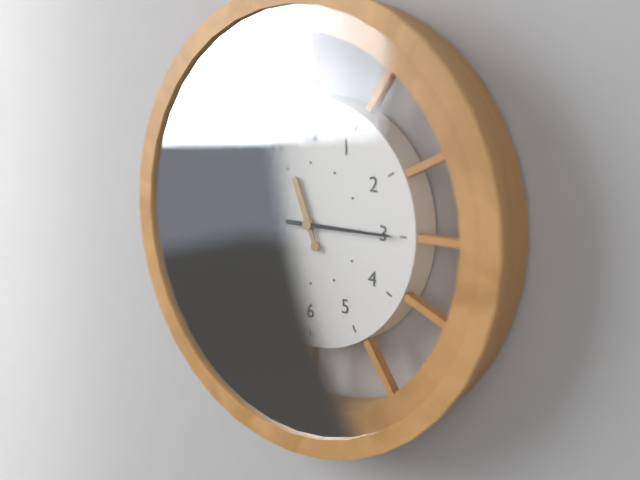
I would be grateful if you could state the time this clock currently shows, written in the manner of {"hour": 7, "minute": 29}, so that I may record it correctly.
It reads {"hour": 11, "minute": 15}
